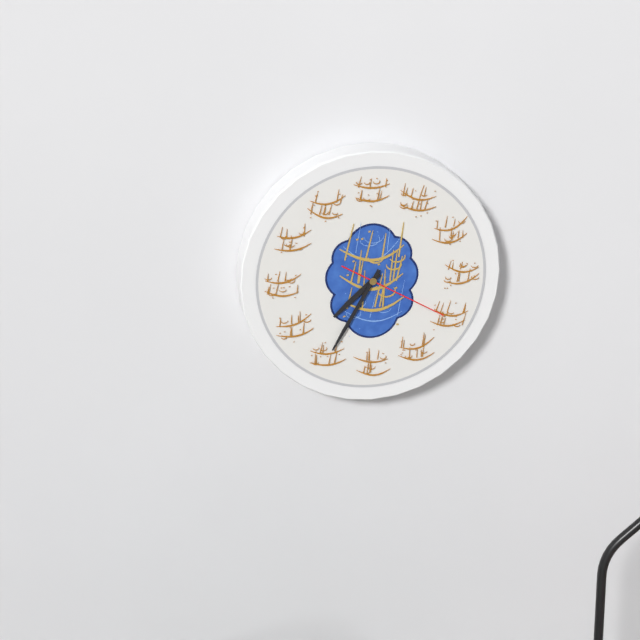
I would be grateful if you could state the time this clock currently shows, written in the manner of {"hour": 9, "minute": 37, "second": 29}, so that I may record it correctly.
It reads {"hour": 7, "minute": 35, "second": 20}
